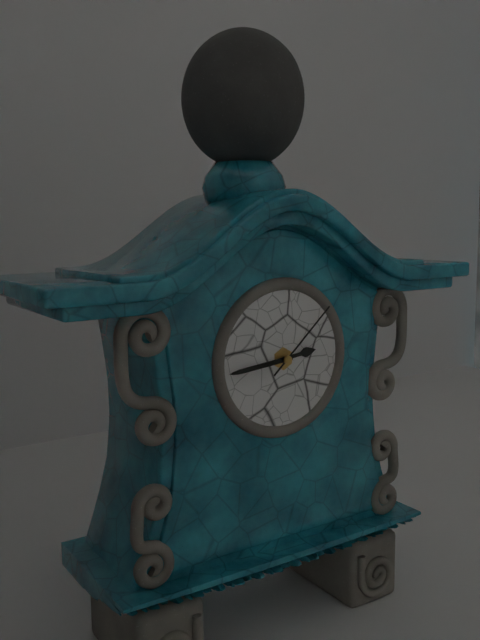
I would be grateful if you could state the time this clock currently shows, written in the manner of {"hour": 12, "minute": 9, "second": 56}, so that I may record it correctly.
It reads {"hour": 2, "minute": 44, "second": 8}
